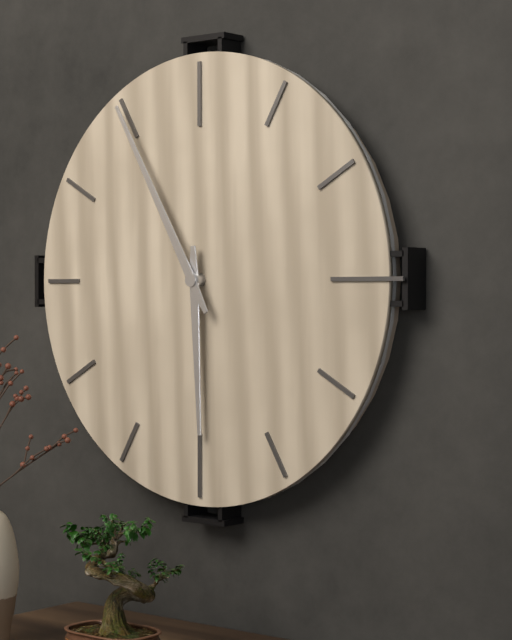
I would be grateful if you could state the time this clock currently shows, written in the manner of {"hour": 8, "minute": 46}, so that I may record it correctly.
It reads {"hour": 5, "minute": 55}
